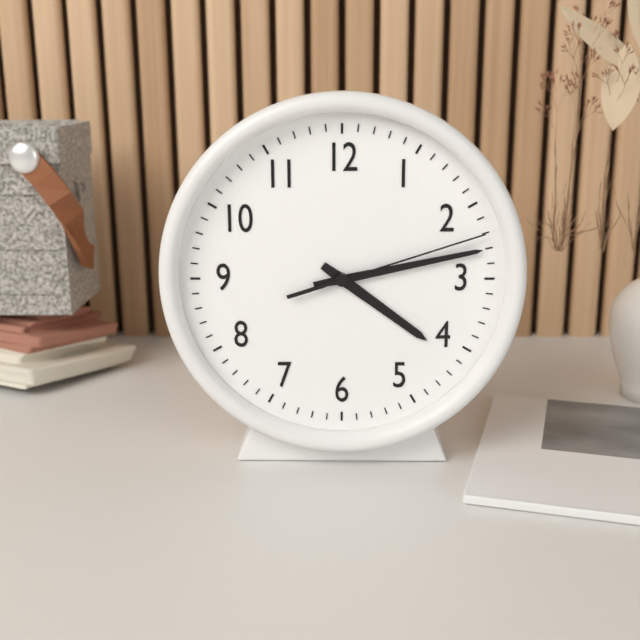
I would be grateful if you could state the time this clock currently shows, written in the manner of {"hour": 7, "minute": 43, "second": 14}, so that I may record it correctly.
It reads {"hour": 4, "minute": 13, "second": 12}
